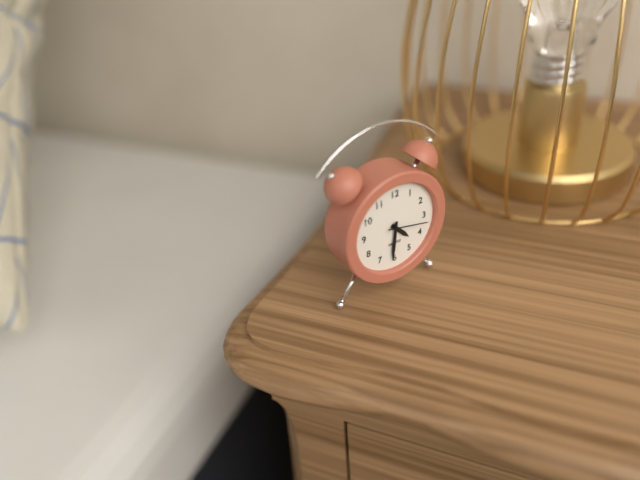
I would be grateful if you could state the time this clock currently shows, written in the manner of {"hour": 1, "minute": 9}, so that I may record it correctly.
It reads {"hour": 4, "minute": 31}
